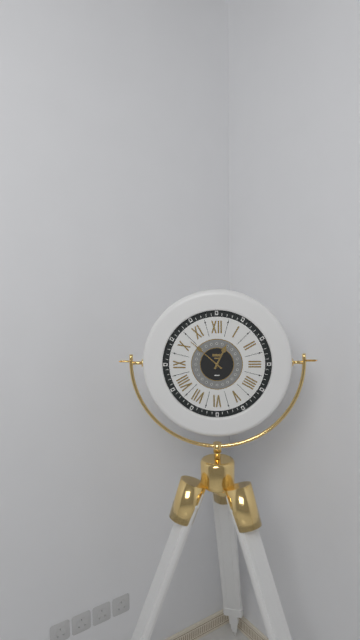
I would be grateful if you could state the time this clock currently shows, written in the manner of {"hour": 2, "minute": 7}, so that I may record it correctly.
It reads {"hour": 12, "minute": 52}
